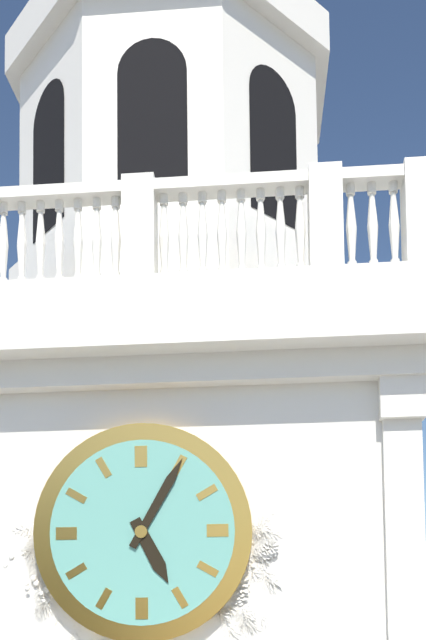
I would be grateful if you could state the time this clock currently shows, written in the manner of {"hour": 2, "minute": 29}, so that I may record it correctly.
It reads {"hour": 5, "minute": 5}
